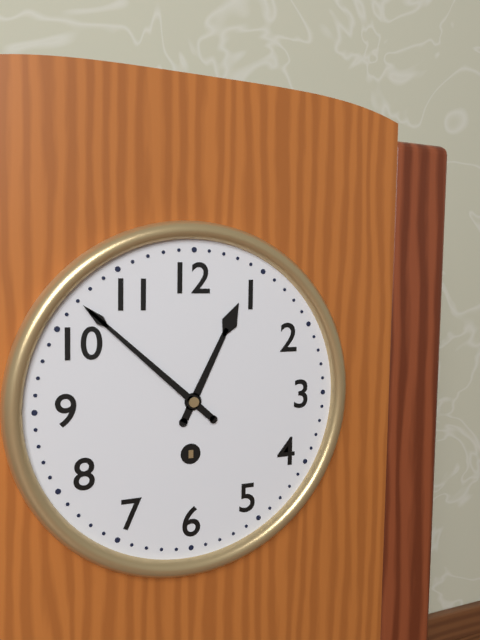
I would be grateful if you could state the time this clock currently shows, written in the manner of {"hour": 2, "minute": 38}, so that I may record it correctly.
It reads {"hour": 12, "minute": 52}
